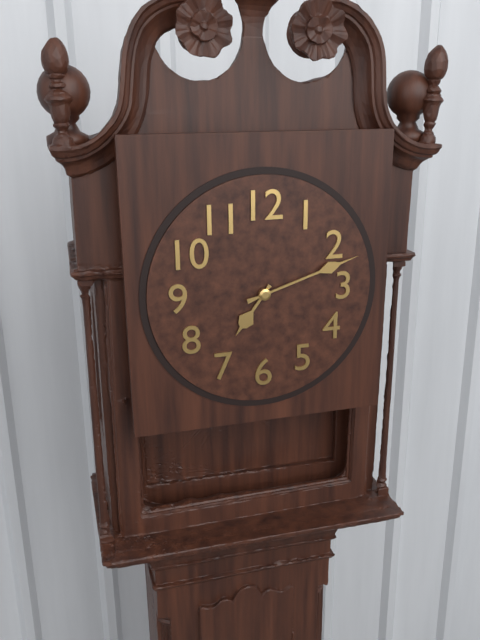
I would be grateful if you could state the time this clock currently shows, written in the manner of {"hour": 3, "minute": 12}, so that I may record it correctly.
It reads {"hour": 7, "minute": 12}
